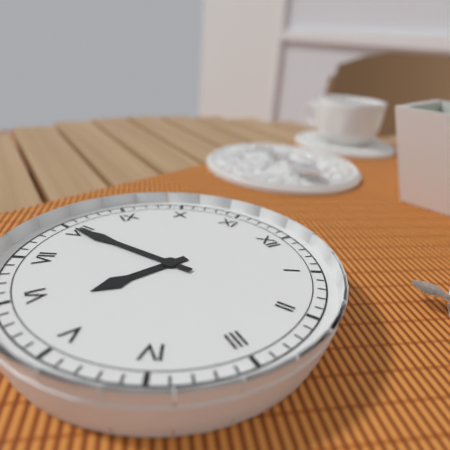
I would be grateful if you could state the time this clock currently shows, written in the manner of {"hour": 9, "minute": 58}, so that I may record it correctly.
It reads {"hour": 5, "minute": 40}
